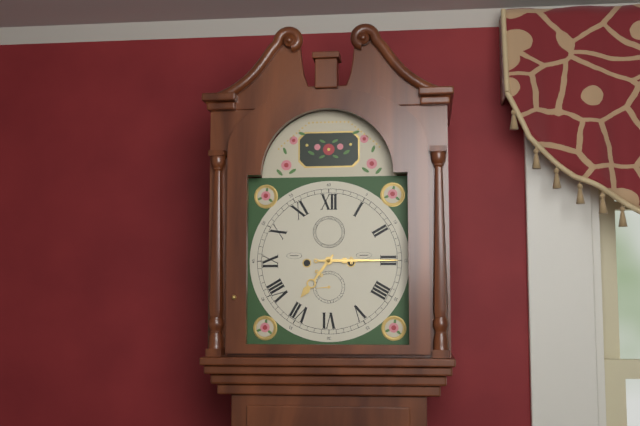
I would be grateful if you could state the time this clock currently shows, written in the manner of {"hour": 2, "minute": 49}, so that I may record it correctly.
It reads {"hour": 7, "minute": 15}
